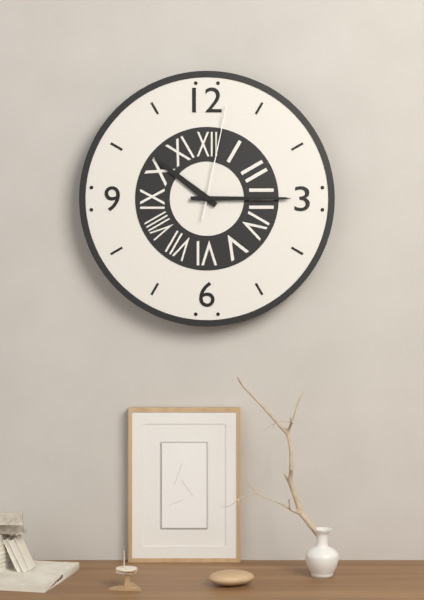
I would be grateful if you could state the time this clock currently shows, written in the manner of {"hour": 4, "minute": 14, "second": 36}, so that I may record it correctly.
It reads {"hour": 10, "minute": 15, "second": 2}
